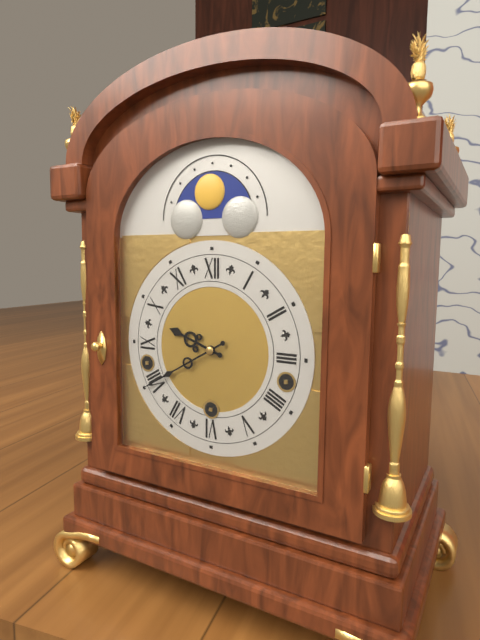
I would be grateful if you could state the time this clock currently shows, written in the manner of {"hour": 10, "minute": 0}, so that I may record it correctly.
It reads {"hour": 9, "minute": 40}
